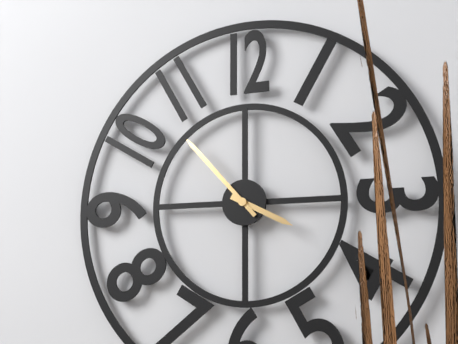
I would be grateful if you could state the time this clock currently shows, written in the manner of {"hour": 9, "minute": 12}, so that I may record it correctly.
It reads {"hour": 3, "minute": 53}
